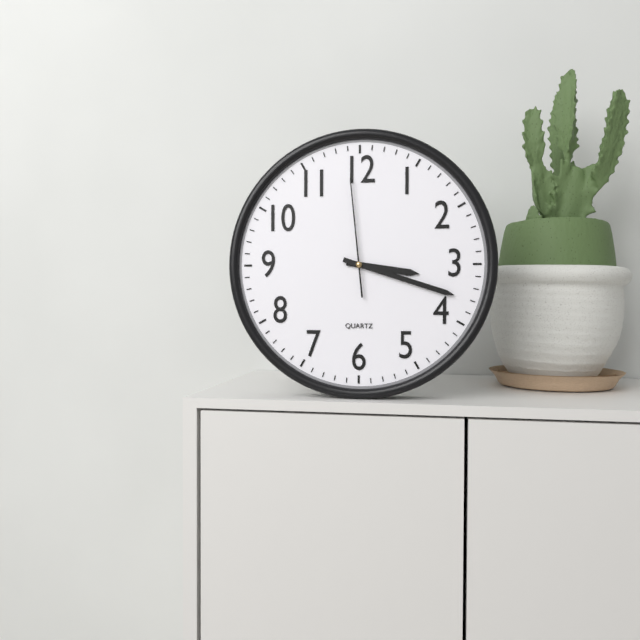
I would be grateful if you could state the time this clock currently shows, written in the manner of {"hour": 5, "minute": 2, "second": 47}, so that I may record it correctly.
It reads {"hour": 3, "minute": 18, "second": 59}
